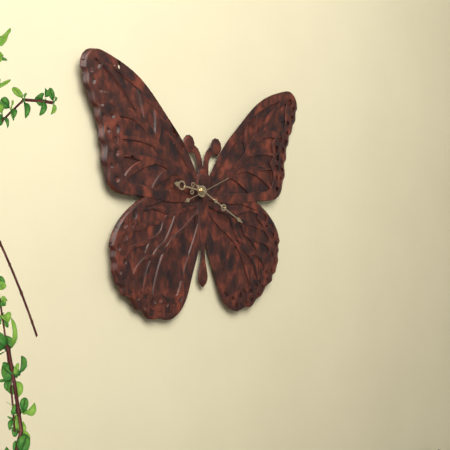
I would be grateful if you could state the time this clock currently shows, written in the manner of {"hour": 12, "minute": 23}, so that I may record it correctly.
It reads {"hour": 9, "minute": 20}
